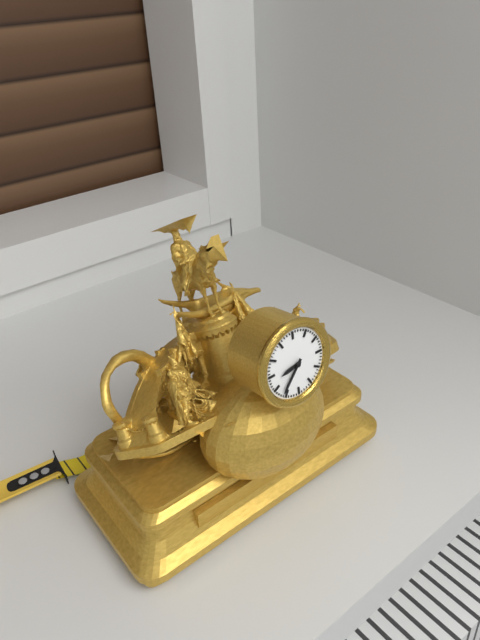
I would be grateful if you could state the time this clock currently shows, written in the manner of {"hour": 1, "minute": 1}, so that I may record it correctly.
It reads {"hour": 8, "minute": 37}
